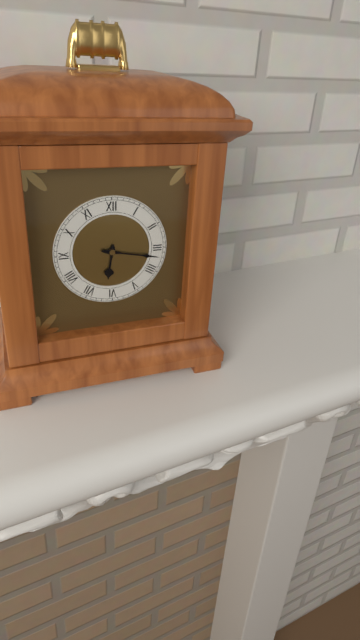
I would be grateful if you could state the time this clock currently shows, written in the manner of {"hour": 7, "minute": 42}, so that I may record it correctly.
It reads {"hour": 6, "minute": 17}
